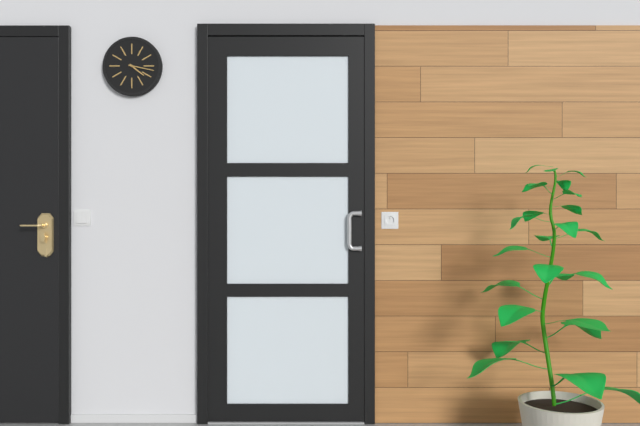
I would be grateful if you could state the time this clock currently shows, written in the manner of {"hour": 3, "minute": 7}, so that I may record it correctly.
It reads {"hour": 4, "minute": 17}
